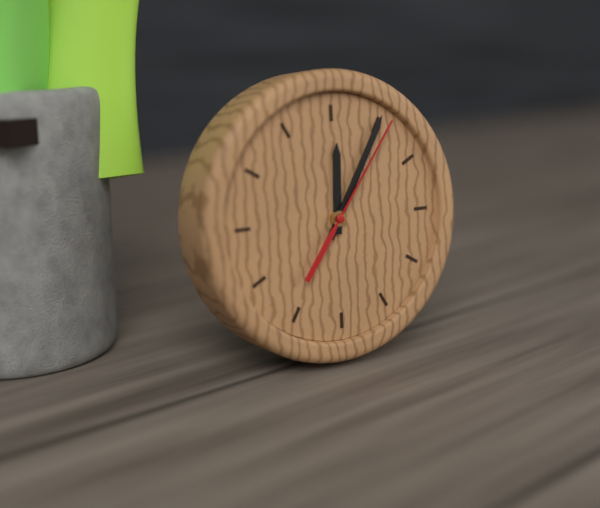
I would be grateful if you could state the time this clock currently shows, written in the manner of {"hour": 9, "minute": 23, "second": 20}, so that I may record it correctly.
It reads {"hour": 12, "minute": 5, "second": 6}
